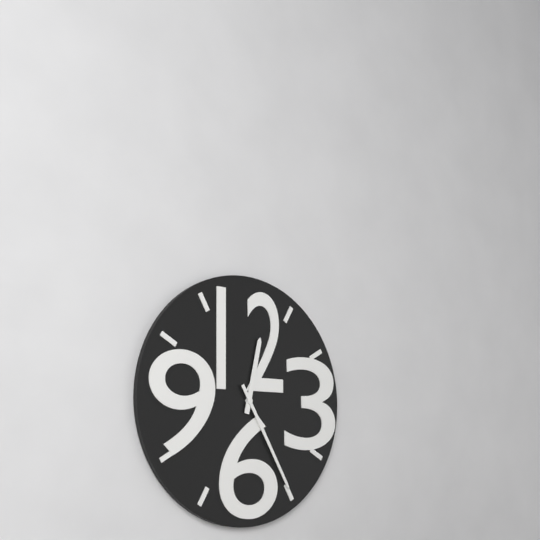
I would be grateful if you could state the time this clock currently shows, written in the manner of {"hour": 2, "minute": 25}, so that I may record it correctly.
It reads {"hour": 12, "minute": 25}
